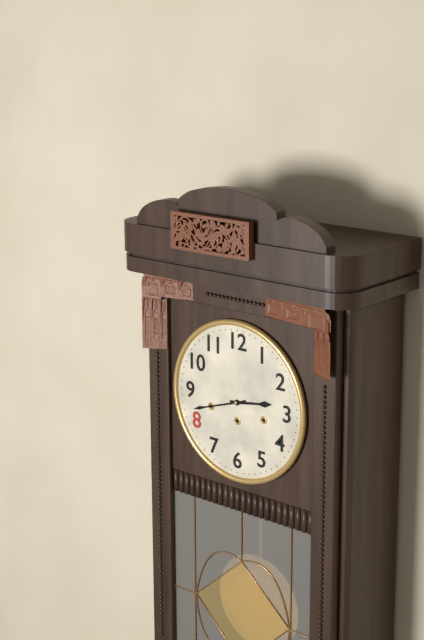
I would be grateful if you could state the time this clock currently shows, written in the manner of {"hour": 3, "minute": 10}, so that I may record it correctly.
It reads {"hour": 2, "minute": 42}
